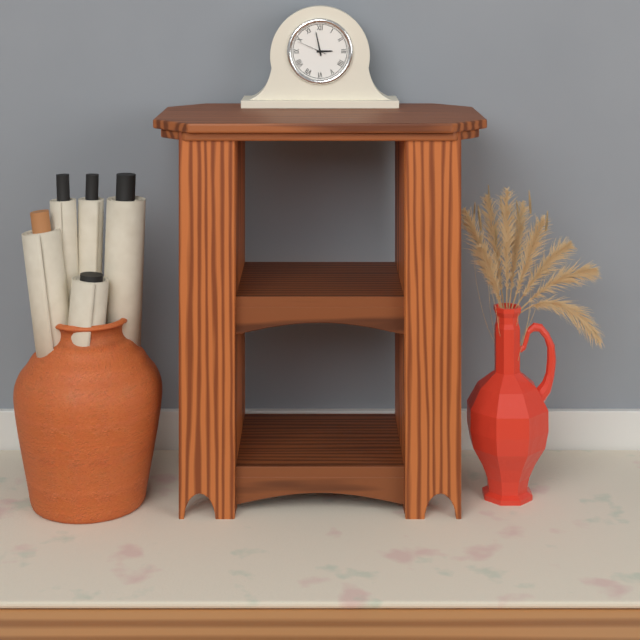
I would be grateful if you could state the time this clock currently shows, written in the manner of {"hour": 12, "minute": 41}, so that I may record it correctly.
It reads {"hour": 2, "minute": 58}
